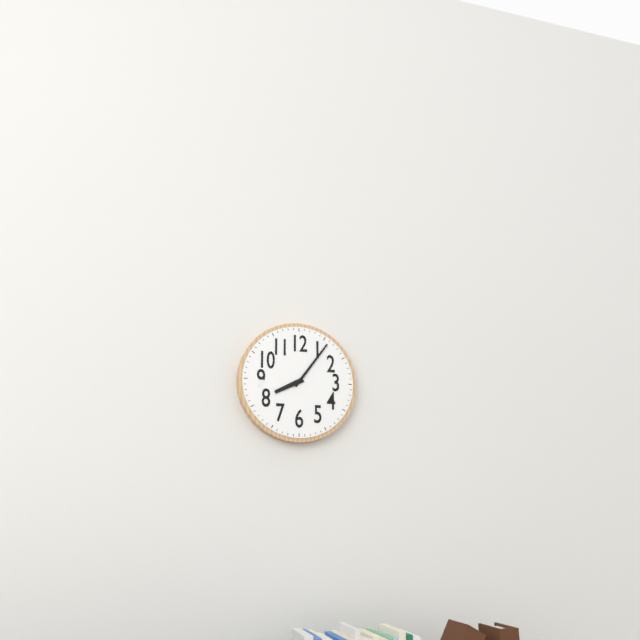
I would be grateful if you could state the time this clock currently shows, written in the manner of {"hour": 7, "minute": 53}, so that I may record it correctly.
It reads {"hour": 8, "minute": 6}
